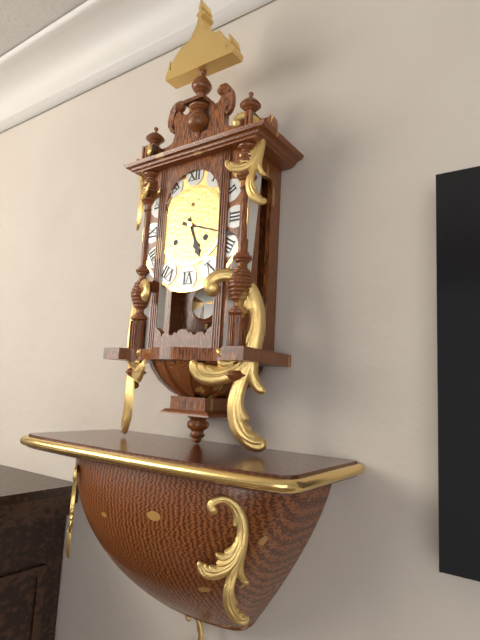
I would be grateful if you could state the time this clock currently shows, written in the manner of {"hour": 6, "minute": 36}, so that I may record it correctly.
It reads {"hour": 5, "minute": 18}
